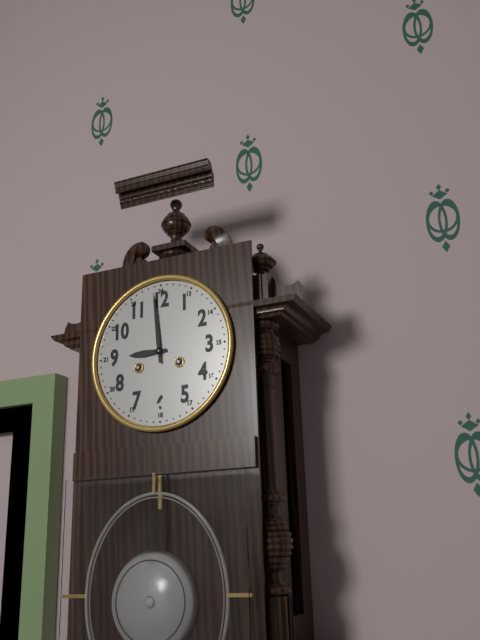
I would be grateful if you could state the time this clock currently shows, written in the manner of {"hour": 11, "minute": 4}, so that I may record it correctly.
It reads {"hour": 8, "minute": 59}
